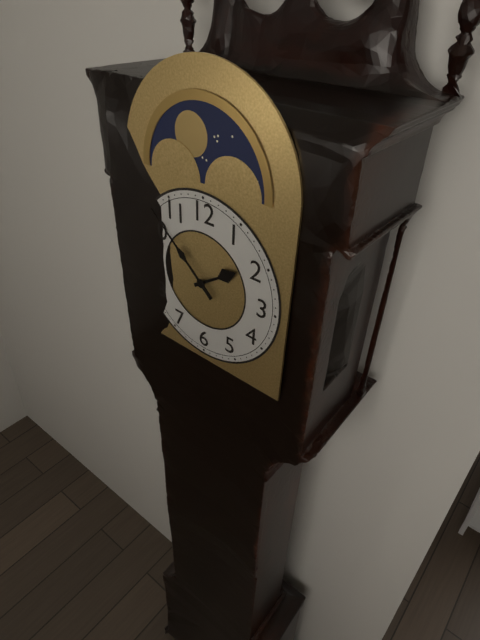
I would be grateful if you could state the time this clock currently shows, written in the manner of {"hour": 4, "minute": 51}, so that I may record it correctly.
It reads {"hour": 1, "minute": 52}
